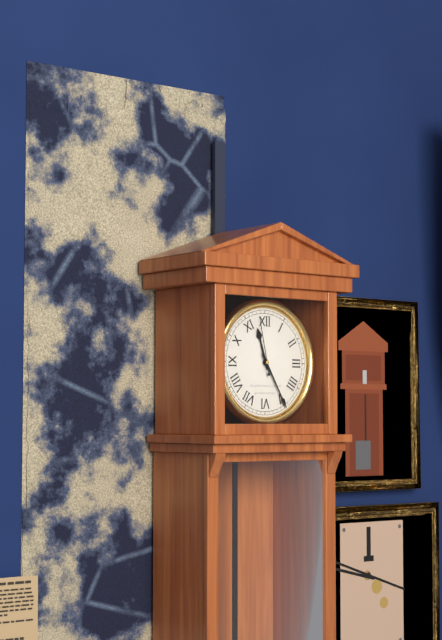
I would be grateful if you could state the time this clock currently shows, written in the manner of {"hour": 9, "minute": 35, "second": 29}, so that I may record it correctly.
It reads {"hour": 11, "minute": 25, "second": 58}
